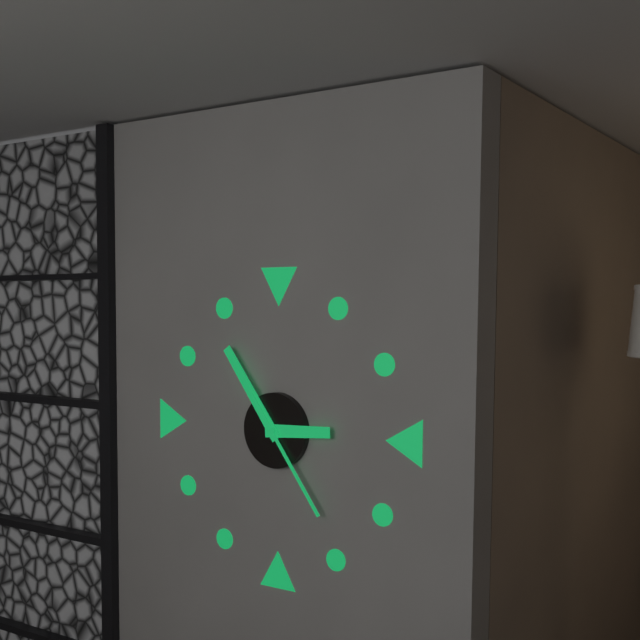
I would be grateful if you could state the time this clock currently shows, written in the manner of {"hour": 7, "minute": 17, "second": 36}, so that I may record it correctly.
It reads {"hour": 2, "minute": 54, "second": 24}
